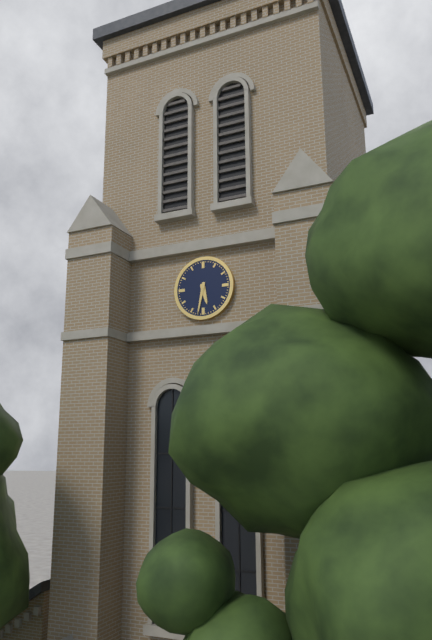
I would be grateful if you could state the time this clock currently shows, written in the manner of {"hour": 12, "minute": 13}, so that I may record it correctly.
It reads {"hour": 5, "minute": 32}
